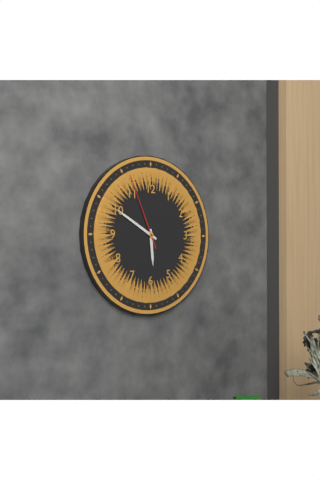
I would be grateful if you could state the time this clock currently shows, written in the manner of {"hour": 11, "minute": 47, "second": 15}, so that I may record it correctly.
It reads {"hour": 5, "minute": 50, "second": 56}
